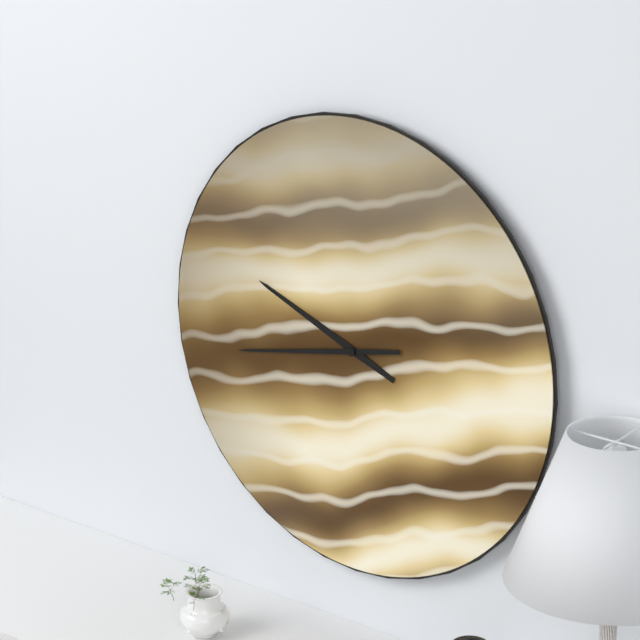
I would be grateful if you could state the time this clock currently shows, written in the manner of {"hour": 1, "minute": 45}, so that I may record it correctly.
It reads {"hour": 9, "minute": 43}
